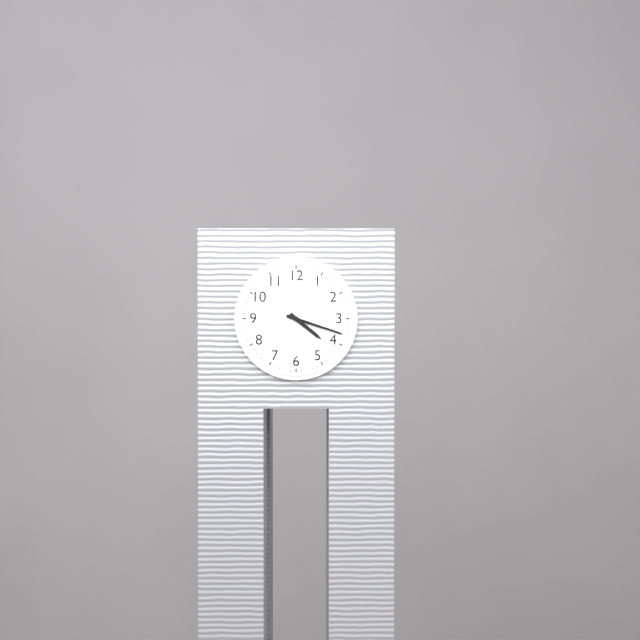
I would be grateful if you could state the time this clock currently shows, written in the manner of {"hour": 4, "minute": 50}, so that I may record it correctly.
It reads {"hour": 4, "minute": 18}
